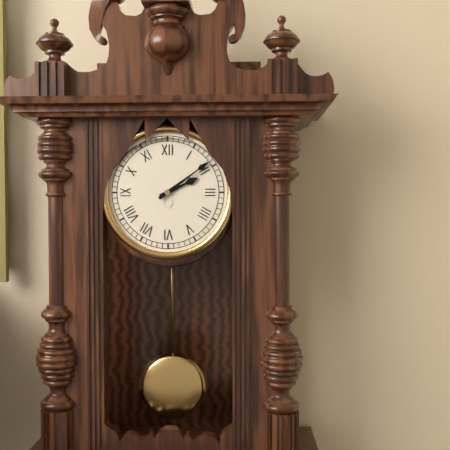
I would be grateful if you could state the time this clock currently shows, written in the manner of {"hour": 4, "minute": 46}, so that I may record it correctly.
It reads {"hour": 2, "minute": 9}
